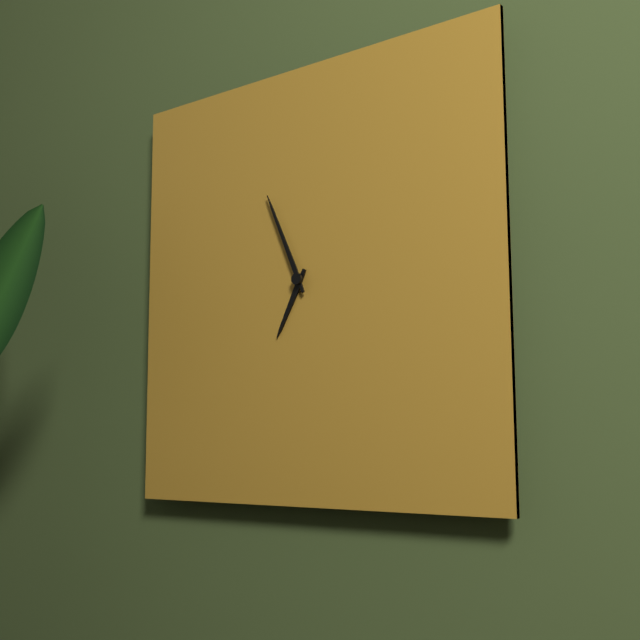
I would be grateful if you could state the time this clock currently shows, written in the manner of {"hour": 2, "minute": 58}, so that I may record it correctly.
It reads {"hour": 6, "minute": 56}
